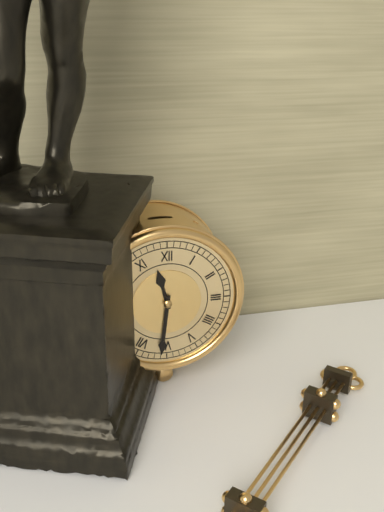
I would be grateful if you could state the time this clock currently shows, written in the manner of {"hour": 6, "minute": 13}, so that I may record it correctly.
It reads {"hour": 11, "minute": 31}
